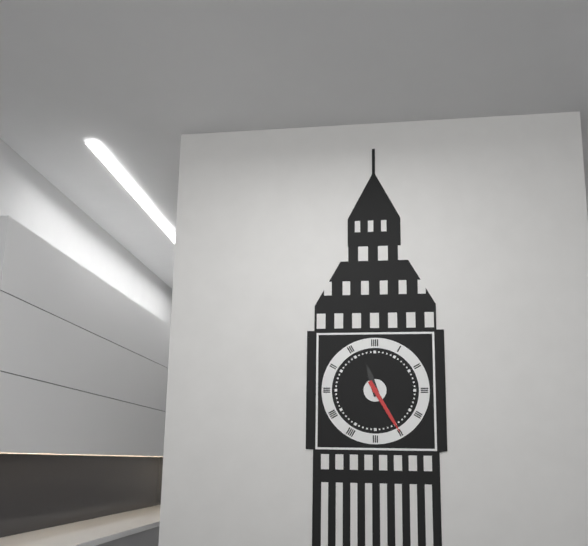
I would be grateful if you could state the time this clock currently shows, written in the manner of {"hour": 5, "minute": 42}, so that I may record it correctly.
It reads {"hour": 11, "minute": 25}
